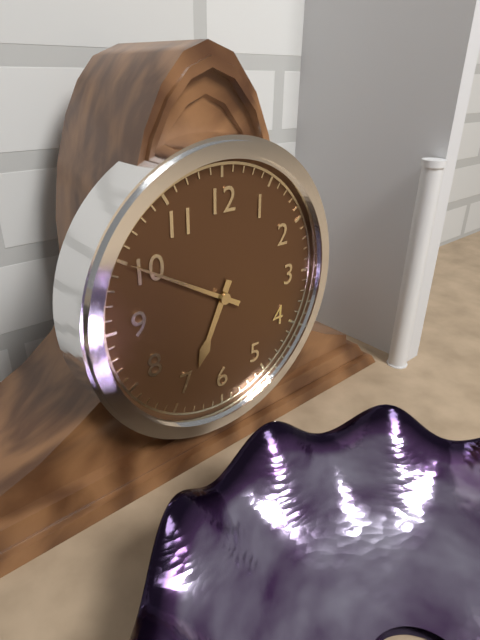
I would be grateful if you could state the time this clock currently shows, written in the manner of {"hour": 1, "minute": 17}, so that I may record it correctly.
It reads {"hour": 6, "minute": 50}
